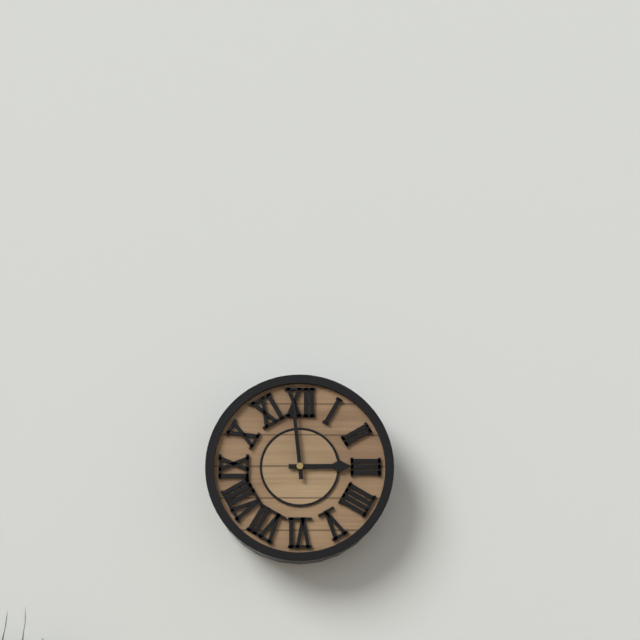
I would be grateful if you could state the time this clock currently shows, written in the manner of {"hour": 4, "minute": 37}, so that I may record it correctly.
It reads {"hour": 2, "minute": 59}
